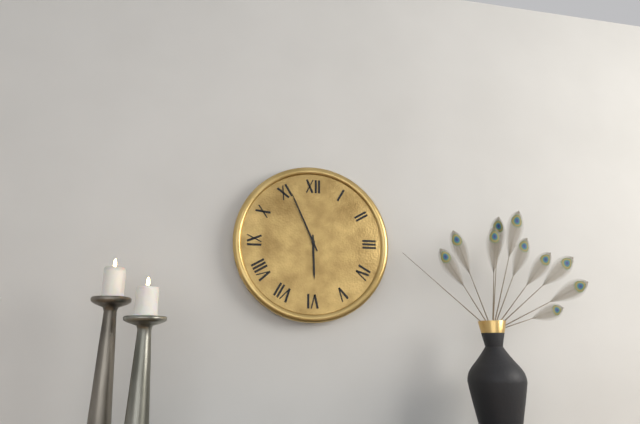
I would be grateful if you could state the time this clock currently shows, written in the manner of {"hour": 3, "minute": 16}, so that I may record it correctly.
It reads {"hour": 5, "minute": 56}
